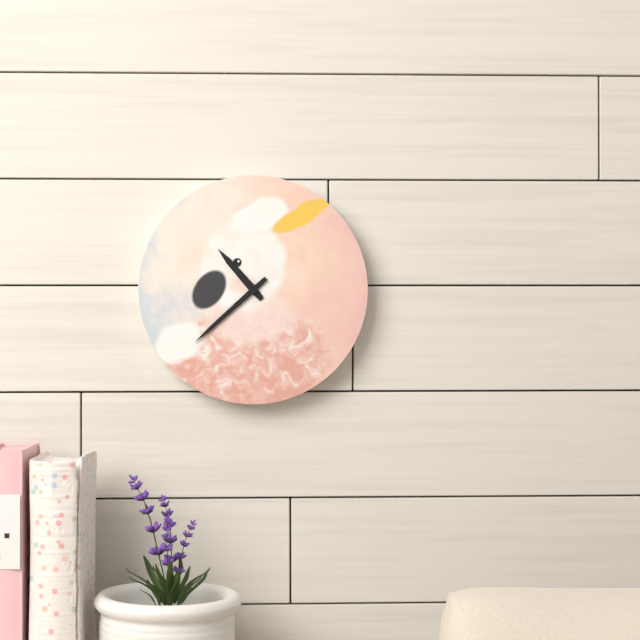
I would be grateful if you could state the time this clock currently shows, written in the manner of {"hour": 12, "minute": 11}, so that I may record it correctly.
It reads {"hour": 10, "minute": 38}
